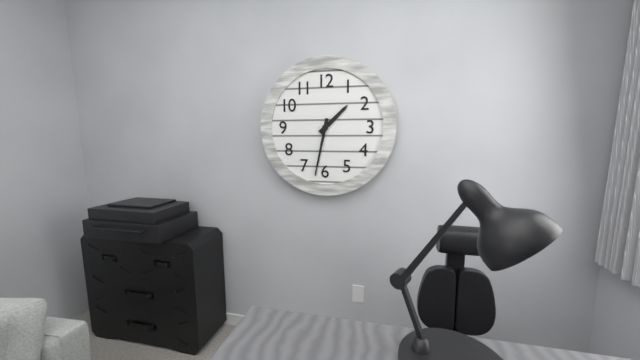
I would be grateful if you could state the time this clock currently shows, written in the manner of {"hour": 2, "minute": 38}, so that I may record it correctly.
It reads {"hour": 1, "minute": 32}
